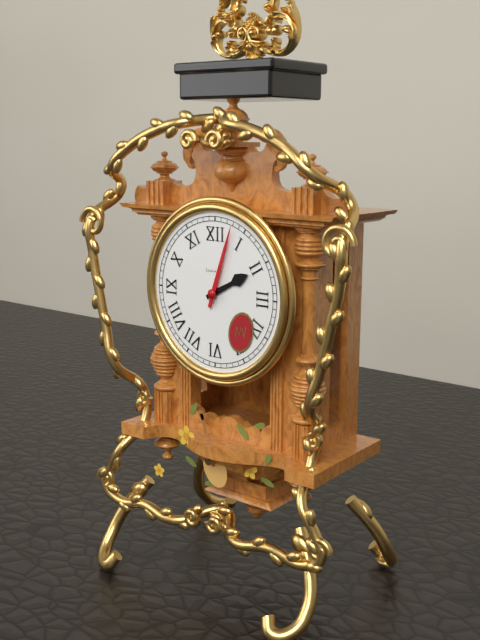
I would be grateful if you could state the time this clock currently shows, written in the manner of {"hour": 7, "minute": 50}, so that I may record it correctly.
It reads {"hour": 2, "minute": 3}
